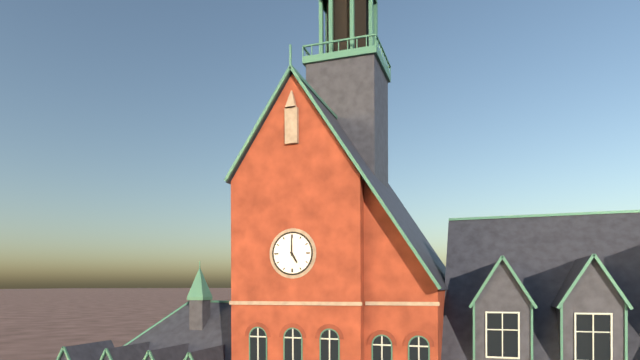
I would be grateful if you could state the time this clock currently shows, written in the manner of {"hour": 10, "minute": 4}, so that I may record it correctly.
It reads {"hour": 5, "minute": 0}
